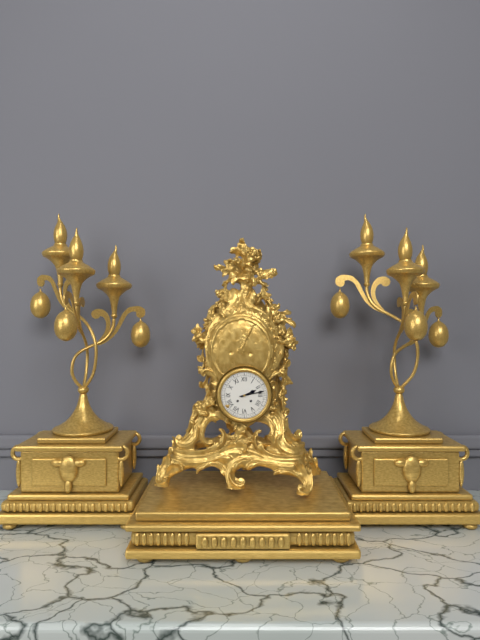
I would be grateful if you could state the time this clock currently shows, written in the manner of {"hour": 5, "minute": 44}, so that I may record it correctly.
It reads {"hour": 2, "minute": 13}
